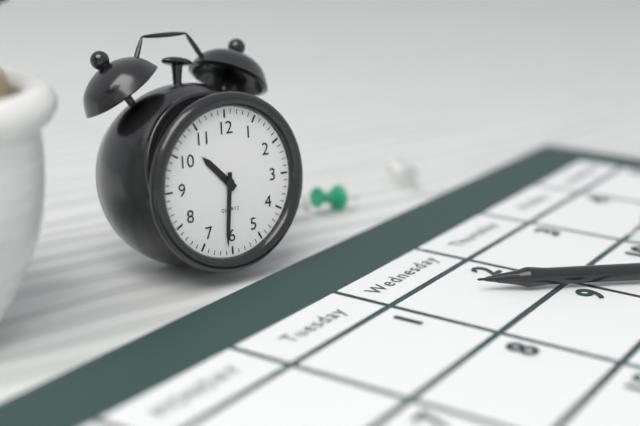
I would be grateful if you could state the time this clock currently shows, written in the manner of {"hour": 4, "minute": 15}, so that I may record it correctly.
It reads {"hour": 10, "minute": 31}
